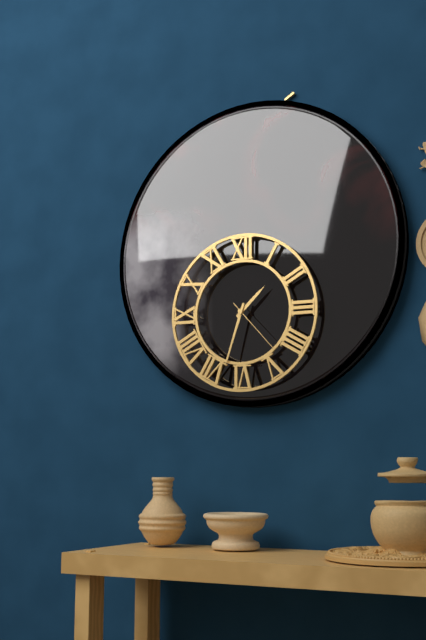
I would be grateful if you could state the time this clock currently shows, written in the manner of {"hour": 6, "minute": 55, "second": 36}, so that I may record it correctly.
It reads {"hour": 1, "minute": 33, "second": 23}
